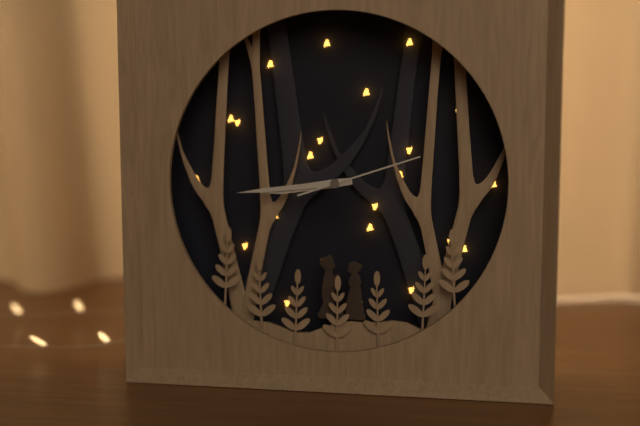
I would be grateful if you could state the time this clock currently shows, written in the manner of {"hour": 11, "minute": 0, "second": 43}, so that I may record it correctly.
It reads {"hour": 8, "minute": 44, "second": 12}
